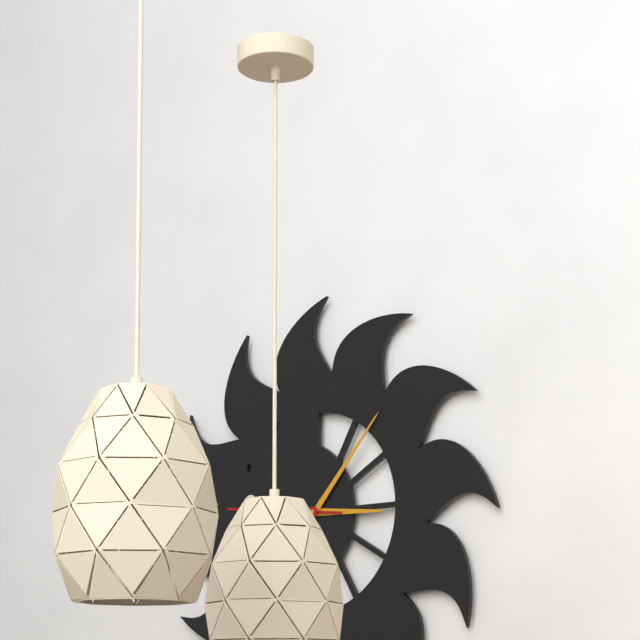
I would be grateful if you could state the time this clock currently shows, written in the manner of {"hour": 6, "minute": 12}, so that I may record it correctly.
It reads {"hour": 3, "minute": 7}
